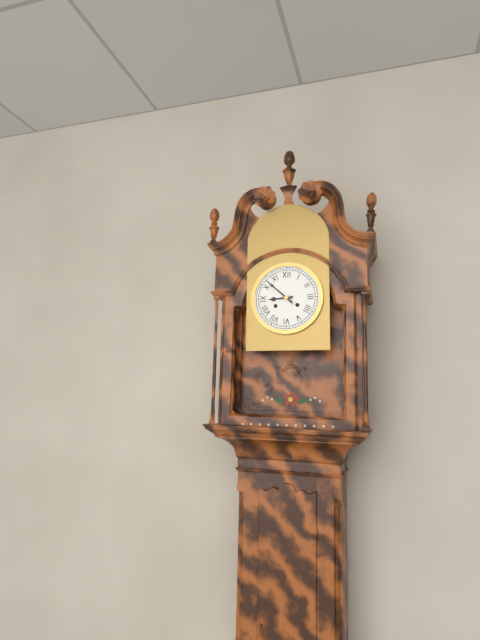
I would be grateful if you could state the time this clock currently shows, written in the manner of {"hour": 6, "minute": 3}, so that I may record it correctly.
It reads {"hour": 8, "minute": 52}
